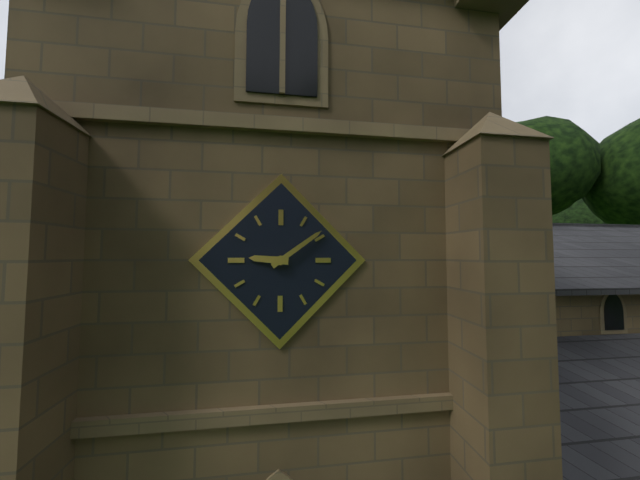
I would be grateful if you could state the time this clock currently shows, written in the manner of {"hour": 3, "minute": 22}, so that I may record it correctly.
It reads {"hour": 9, "minute": 9}
